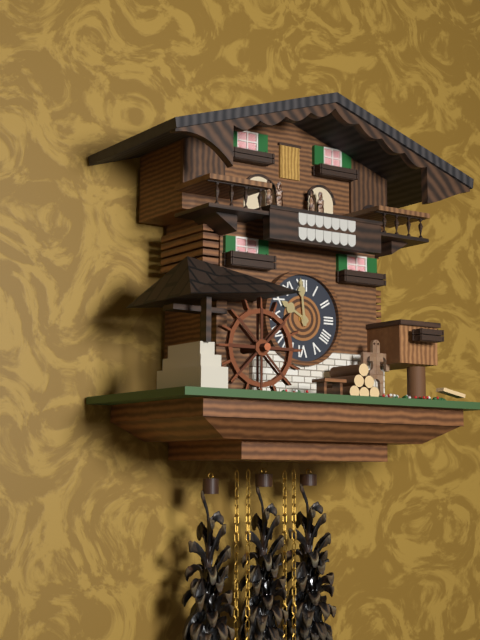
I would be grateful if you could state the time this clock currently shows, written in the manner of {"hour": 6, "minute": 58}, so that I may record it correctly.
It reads {"hour": 9, "minute": 59}
